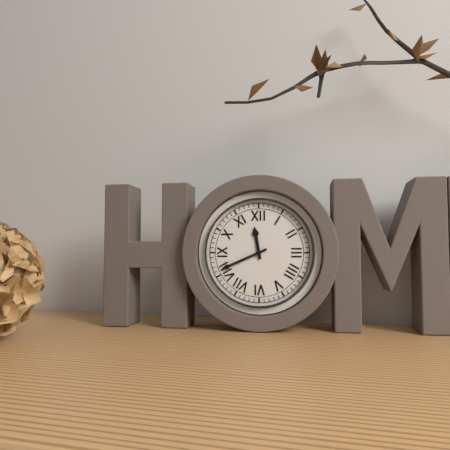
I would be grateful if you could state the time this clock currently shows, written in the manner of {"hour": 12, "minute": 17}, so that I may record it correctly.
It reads {"hour": 11, "minute": 41}
